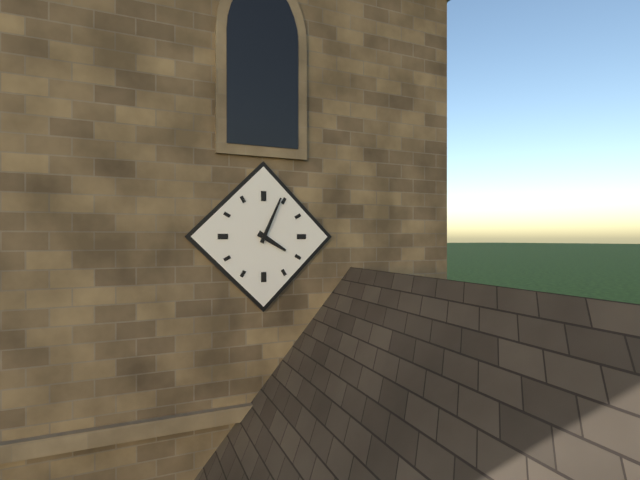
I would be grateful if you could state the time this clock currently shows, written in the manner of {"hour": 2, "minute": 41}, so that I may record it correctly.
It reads {"hour": 4, "minute": 4}
